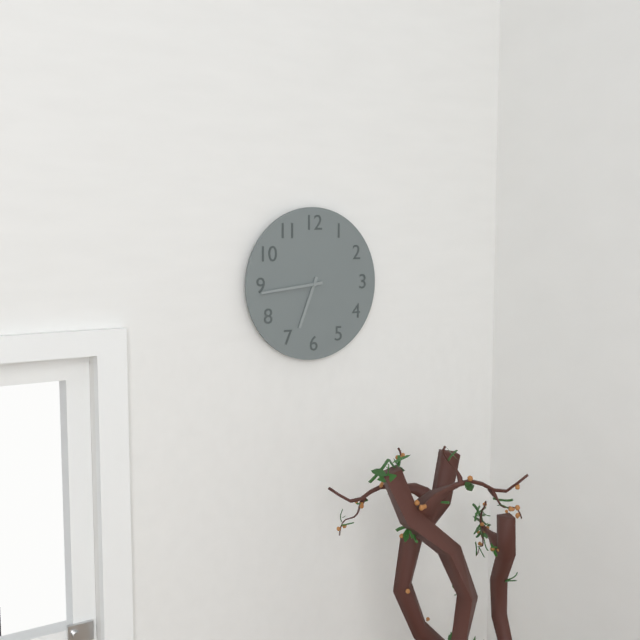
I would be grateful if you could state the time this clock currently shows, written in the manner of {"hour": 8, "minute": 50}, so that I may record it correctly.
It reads {"hour": 6, "minute": 44}
